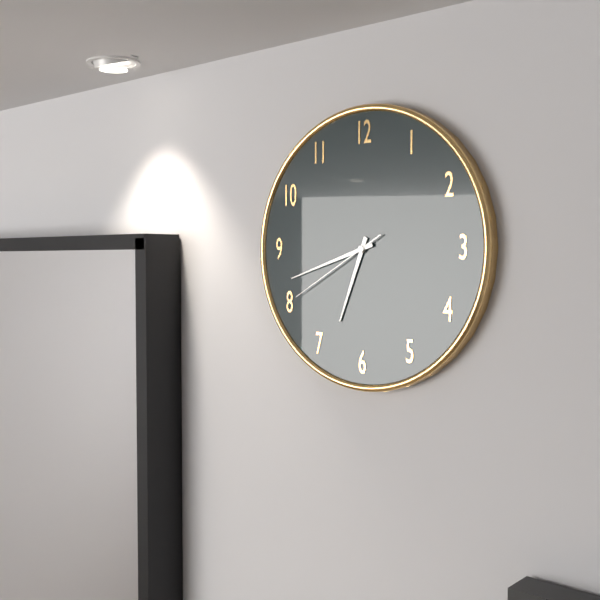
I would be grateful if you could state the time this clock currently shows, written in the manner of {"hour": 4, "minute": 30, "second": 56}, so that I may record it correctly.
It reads {"hour": 6, "minute": 42, "second": 40}
